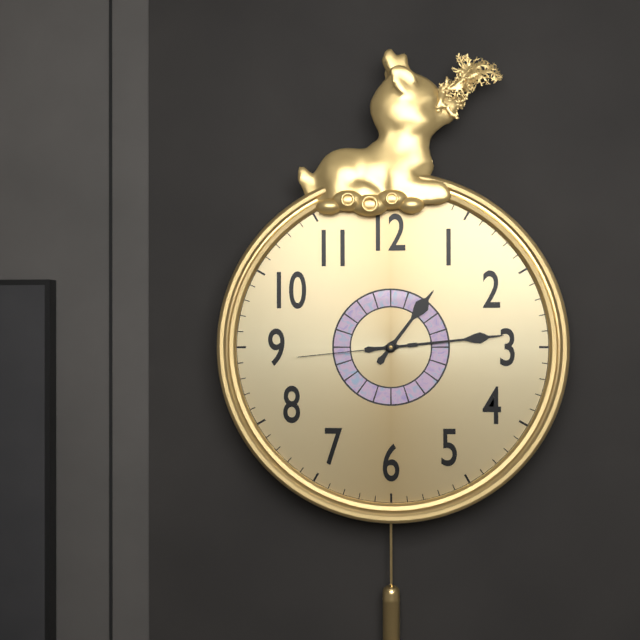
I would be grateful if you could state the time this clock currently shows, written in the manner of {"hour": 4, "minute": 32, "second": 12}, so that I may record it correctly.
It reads {"hour": 1, "minute": 14, "second": 44}
